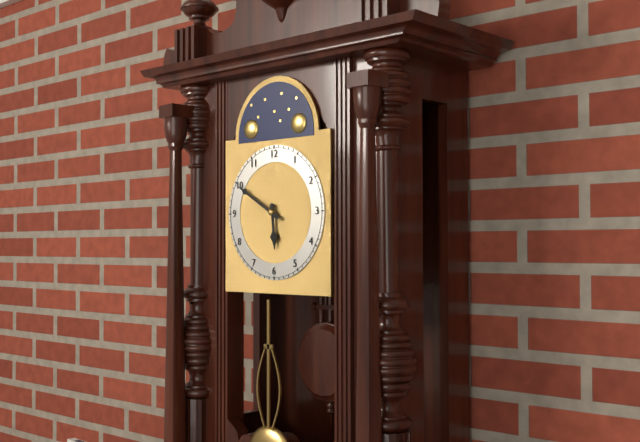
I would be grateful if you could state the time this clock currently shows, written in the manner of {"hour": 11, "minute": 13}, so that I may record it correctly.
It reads {"hour": 5, "minute": 50}
